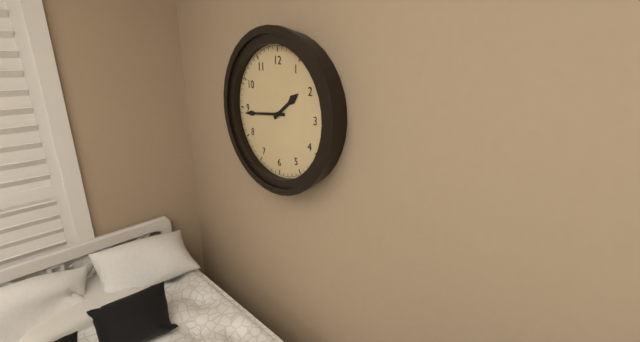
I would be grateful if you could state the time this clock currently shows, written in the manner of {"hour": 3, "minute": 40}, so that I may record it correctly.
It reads {"hour": 1, "minute": 44}
